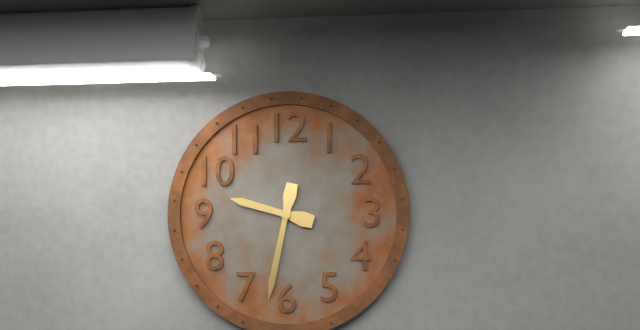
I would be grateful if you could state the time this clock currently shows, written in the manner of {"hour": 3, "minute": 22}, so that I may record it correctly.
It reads {"hour": 9, "minute": 32}
